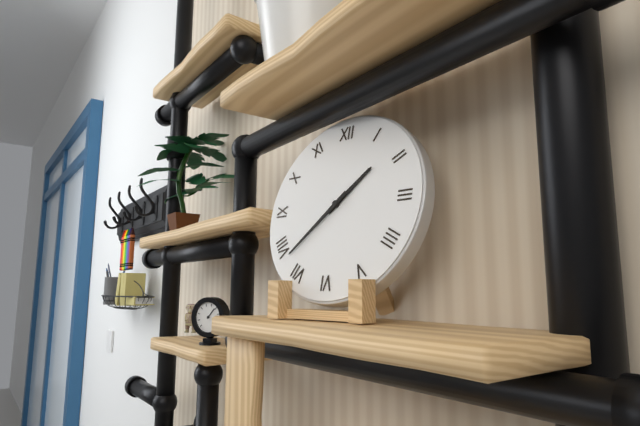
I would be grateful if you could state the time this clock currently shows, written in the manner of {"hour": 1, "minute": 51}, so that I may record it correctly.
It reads {"hour": 1, "minute": 38}
